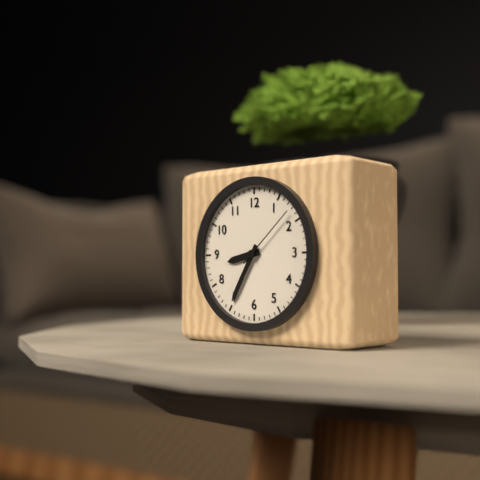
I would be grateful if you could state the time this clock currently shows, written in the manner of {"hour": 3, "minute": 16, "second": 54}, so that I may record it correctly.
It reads {"hour": 8, "minute": 35, "second": 8}
